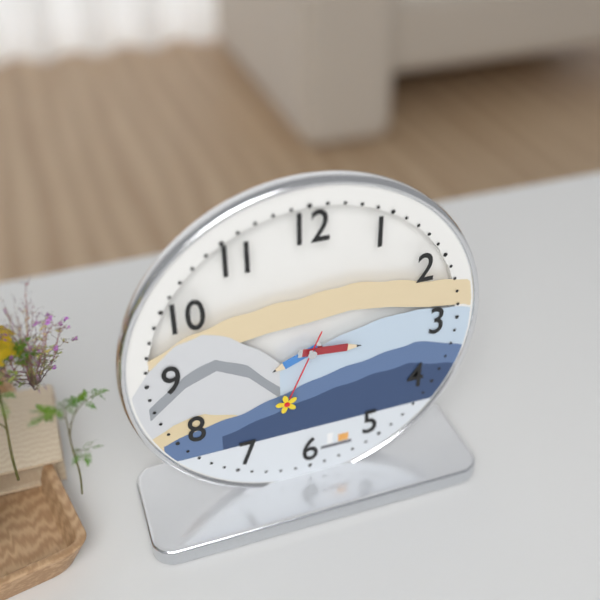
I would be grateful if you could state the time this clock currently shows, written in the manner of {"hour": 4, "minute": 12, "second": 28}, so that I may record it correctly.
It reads {"hour": 8, "minute": 16, "second": 34}
